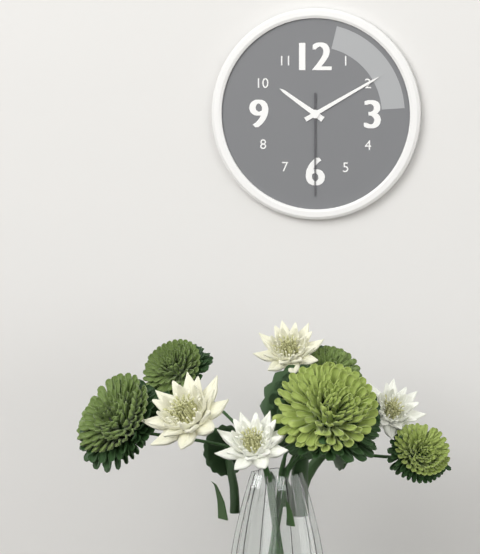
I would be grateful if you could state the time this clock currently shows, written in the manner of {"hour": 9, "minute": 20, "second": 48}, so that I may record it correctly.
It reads {"hour": 10, "minute": 10, "second": 30}
